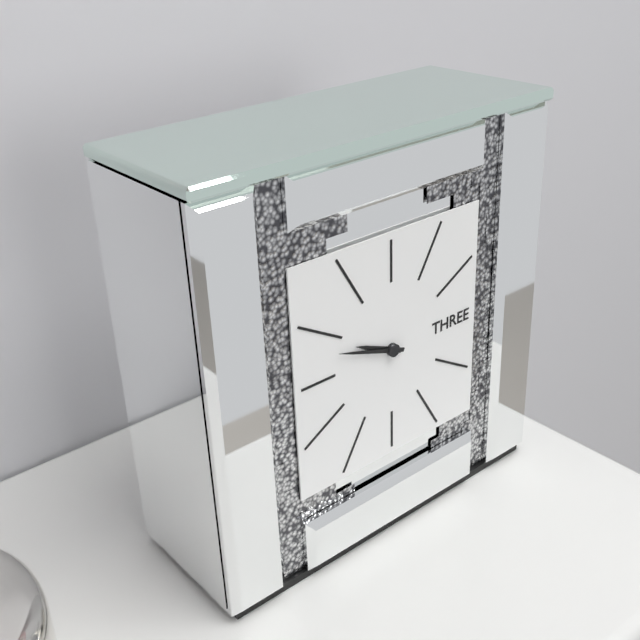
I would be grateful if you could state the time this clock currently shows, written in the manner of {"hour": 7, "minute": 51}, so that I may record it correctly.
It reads {"hour": 9, "minute": 48}
